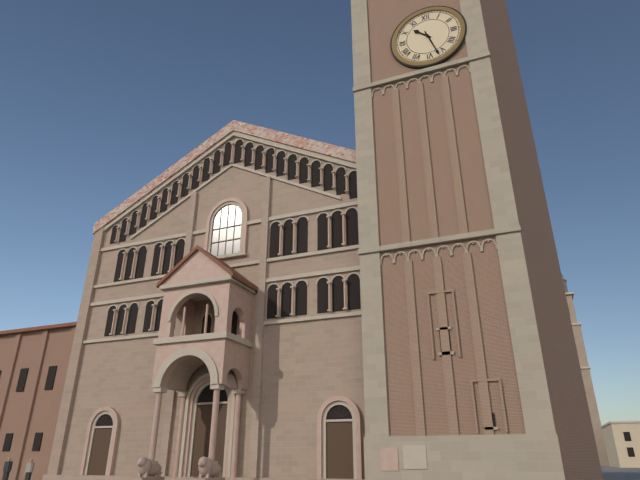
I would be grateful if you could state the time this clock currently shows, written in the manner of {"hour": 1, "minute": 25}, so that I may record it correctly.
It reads {"hour": 10, "minute": 27}
